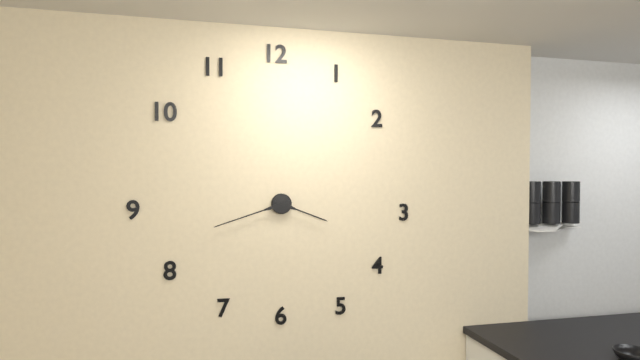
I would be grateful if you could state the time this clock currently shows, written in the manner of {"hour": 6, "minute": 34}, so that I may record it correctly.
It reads {"hour": 3, "minute": 42}
